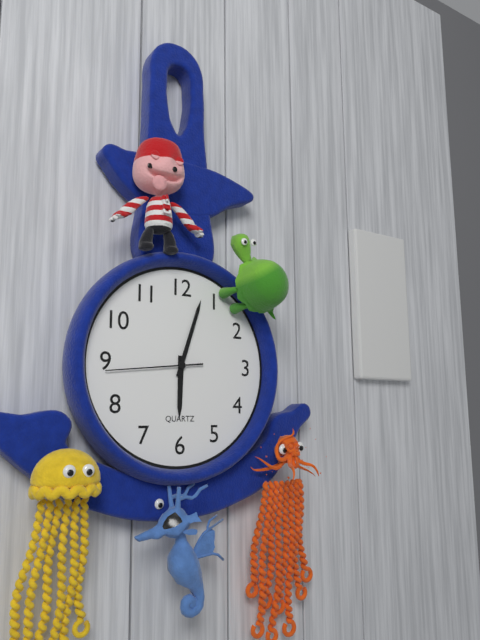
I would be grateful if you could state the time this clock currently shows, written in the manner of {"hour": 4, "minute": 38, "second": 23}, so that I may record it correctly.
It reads {"hour": 6, "minute": 3, "second": 44}
